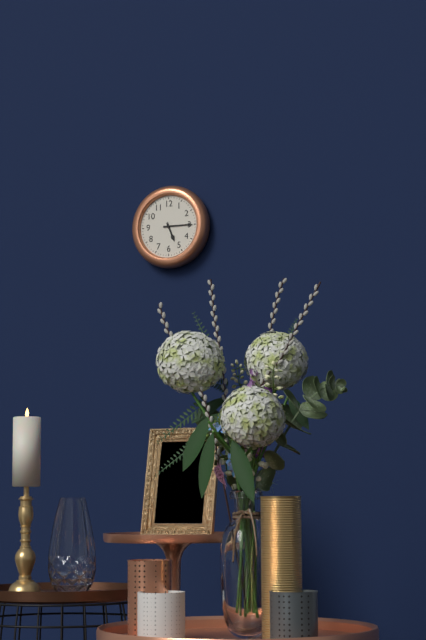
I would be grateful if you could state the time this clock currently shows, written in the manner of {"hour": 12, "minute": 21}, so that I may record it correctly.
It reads {"hour": 5, "minute": 15}
